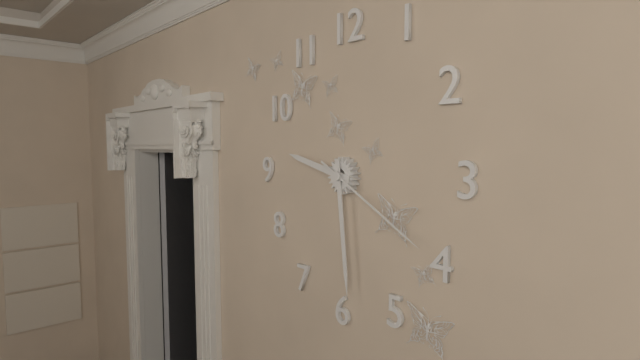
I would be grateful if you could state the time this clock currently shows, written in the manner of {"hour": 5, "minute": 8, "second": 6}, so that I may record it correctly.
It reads {"hour": 9, "minute": 29, "second": 20}
